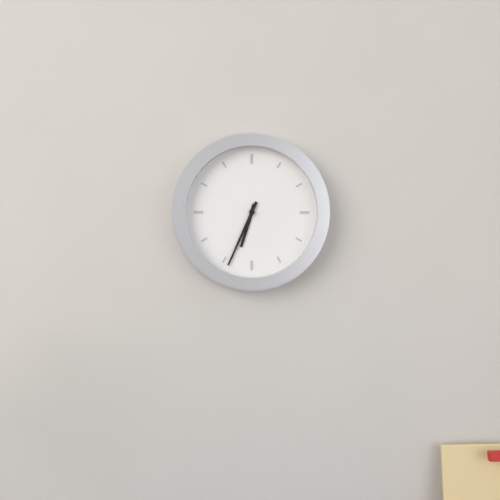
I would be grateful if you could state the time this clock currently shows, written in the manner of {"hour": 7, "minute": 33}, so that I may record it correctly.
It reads {"hour": 6, "minute": 34}
